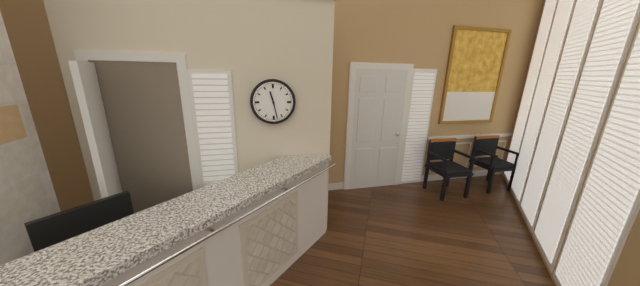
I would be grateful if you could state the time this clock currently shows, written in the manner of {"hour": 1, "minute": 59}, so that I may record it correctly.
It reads {"hour": 11, "minute": 28}
